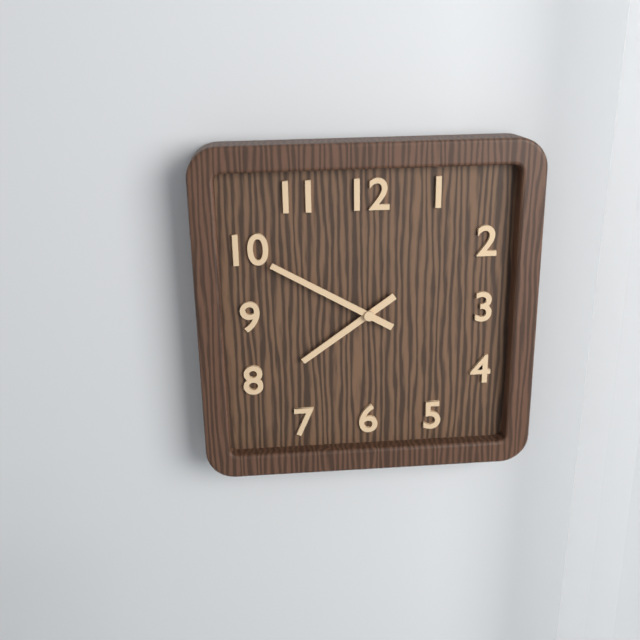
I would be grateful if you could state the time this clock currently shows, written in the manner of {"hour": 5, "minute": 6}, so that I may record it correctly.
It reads {"hour": 7, "minute": 50}
